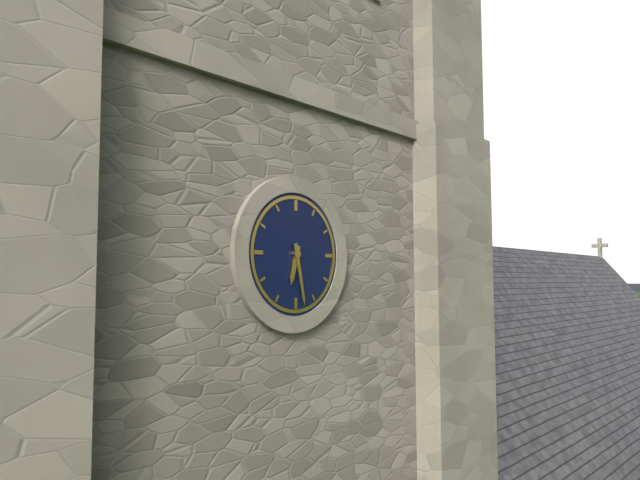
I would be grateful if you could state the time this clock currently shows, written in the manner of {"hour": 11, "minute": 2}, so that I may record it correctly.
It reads {"hour": 6, "minute": 28}
